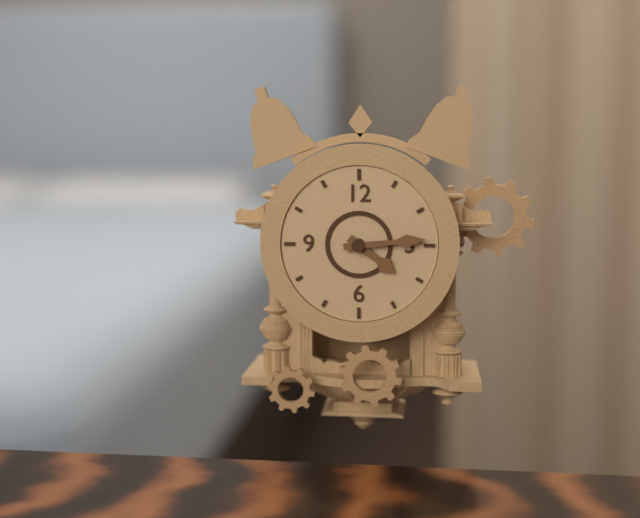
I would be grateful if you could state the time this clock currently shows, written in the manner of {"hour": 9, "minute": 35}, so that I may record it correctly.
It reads {"hour": 4, "minute": 14}
